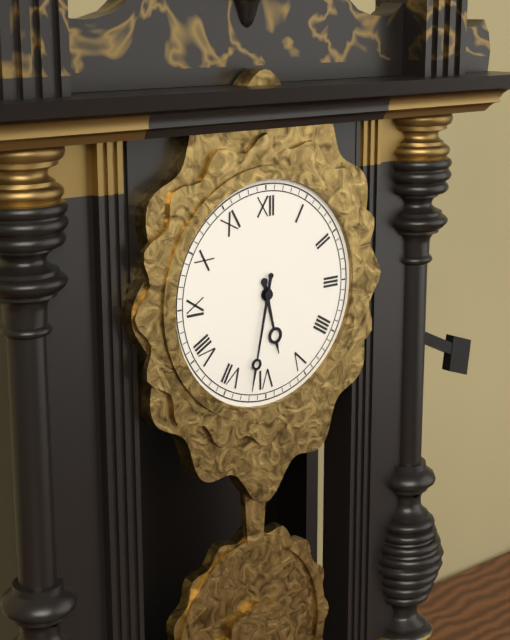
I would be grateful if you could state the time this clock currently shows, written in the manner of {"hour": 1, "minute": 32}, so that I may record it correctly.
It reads {"hour": 5, "minute": 32}
